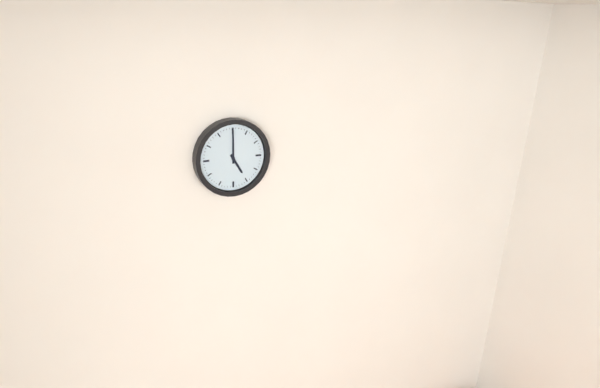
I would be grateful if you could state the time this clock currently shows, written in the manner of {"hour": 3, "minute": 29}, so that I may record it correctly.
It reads {"hour": 5, "minute": 0}
